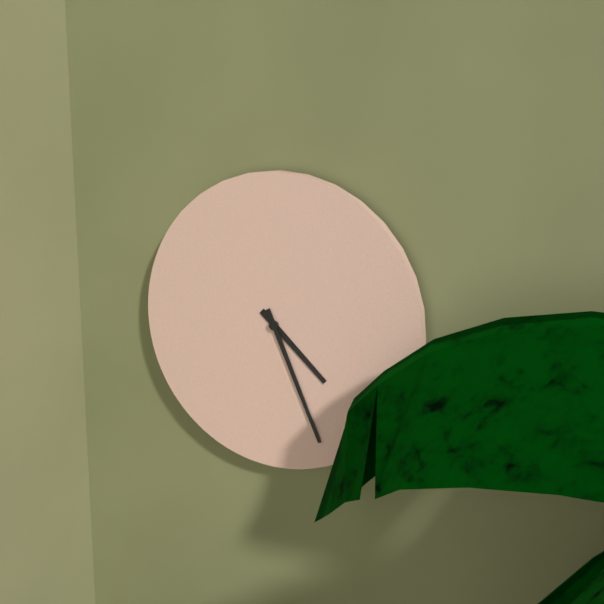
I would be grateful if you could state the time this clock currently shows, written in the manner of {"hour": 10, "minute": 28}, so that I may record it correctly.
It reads {"hour": 4, "minute": 26}
